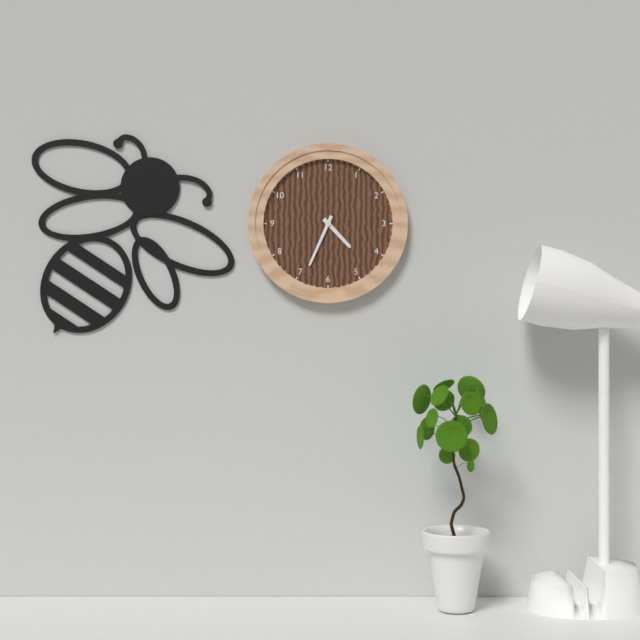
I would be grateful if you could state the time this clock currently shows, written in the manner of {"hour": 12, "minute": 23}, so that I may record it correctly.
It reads {"hour": 4, "minute": 34}
